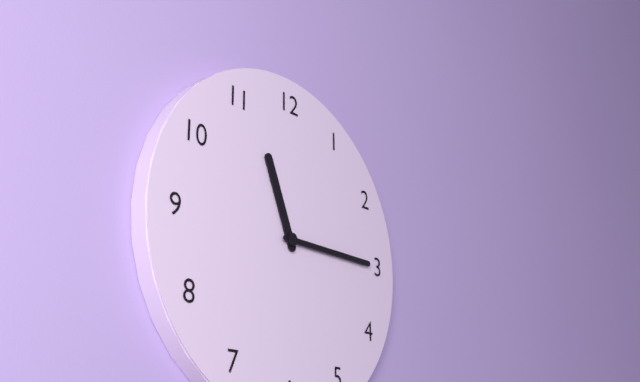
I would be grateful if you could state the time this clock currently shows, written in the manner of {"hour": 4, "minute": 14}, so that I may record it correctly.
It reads {"hour": 11, "minute": 15}
